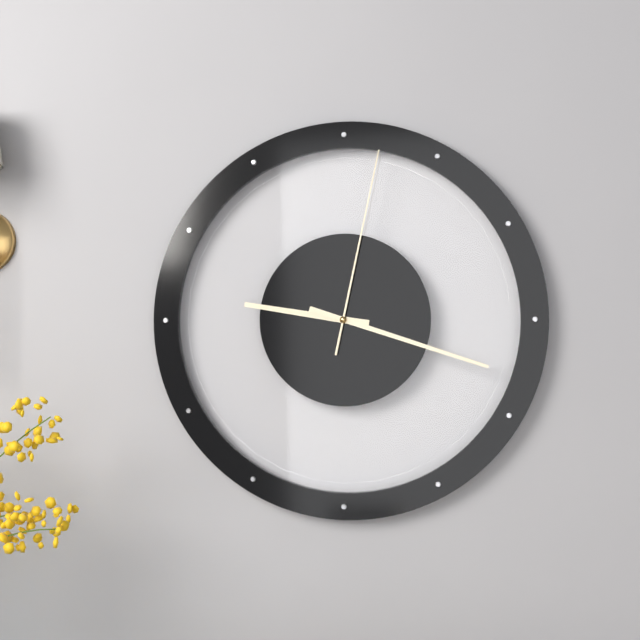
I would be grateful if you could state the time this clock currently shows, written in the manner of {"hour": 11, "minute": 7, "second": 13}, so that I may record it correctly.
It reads {"hour": 9, "minute": 18, "second": 2}
